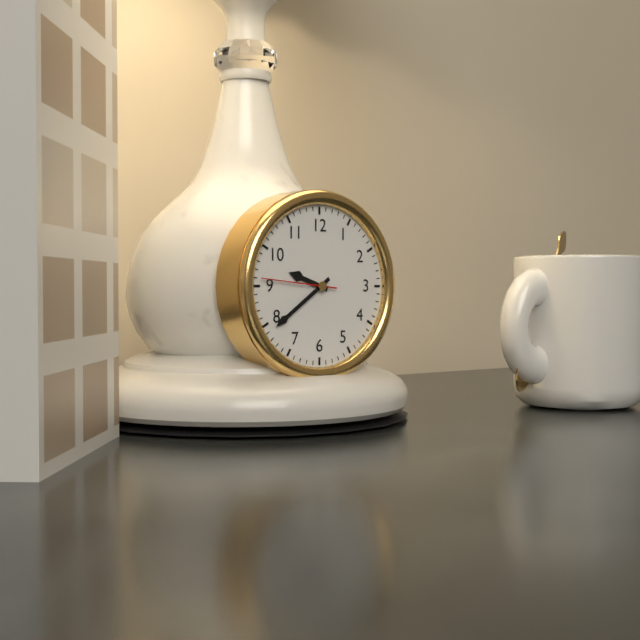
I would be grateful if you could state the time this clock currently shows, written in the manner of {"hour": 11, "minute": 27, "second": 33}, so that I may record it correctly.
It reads {"hour": 9, "minute": 39, "second": 46}
